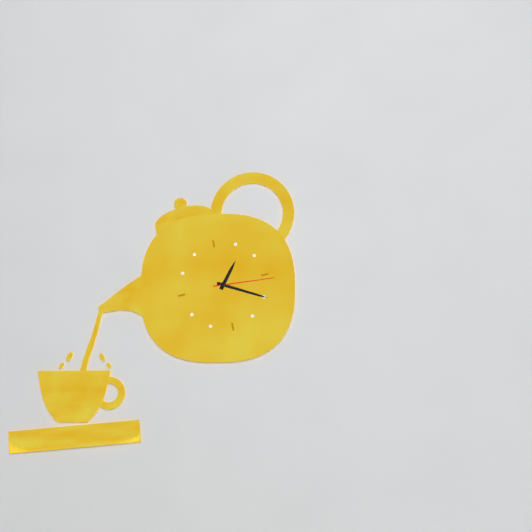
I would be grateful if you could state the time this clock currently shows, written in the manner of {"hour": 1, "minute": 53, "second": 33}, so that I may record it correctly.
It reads {"hour": 1, "minute": 20, "second": 16}
